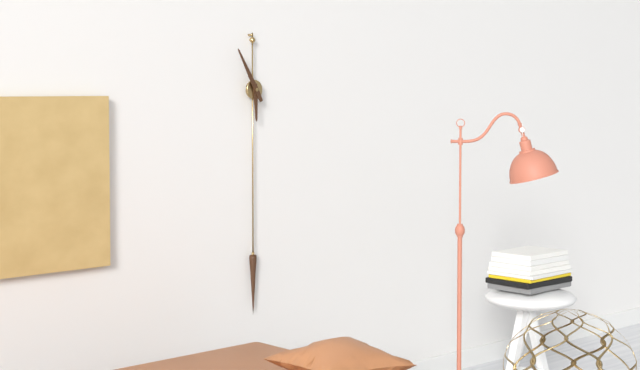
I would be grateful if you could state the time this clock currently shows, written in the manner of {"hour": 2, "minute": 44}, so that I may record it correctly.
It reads {"hour": 5, "minute": 55}
